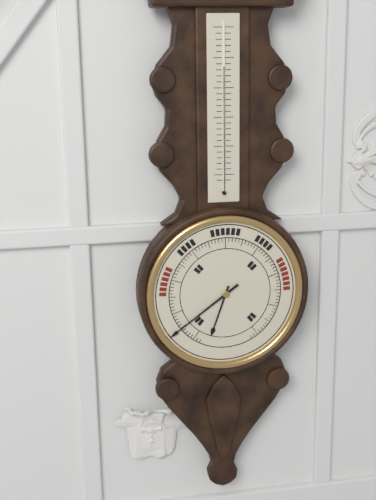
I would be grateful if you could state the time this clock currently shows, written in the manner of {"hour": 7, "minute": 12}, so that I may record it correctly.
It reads {"hour": 6, "minute": 39}
